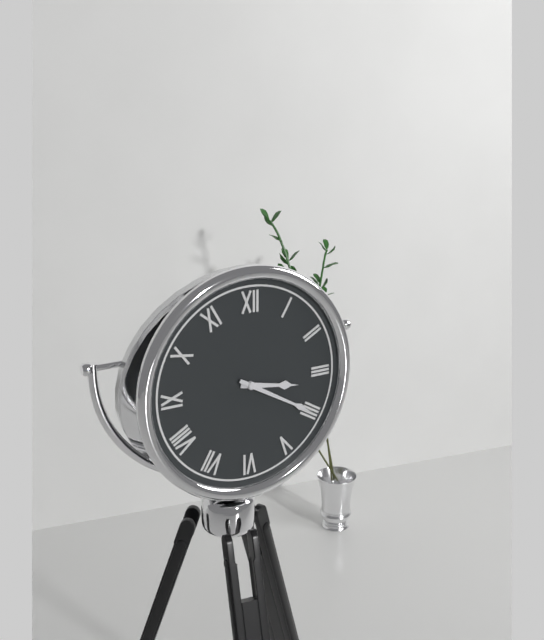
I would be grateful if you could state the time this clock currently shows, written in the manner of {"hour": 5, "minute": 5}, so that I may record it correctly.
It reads {"hour": 3, "minute": 20}
